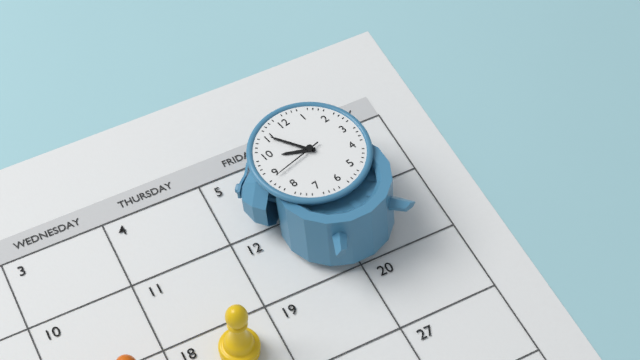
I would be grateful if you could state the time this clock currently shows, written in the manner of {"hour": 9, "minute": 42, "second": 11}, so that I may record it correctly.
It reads {"hour": 9, "minute": 55, "second": 44}
